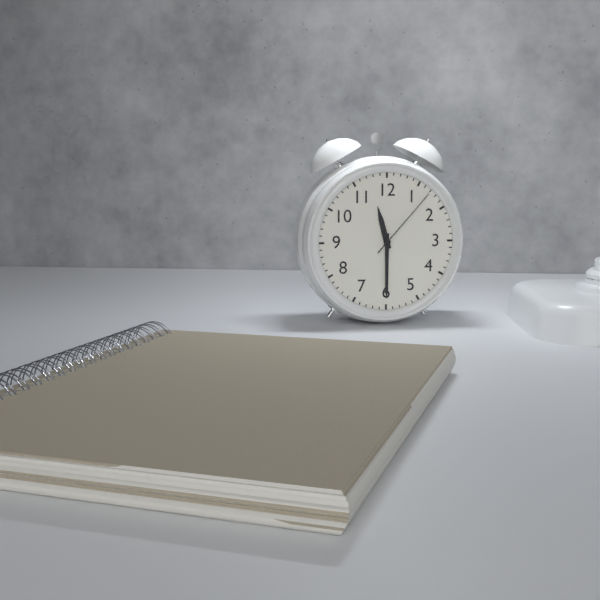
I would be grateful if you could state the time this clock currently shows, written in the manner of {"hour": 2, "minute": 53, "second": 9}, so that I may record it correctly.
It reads {"hour": 11, "minute": 30, "second": 7}
